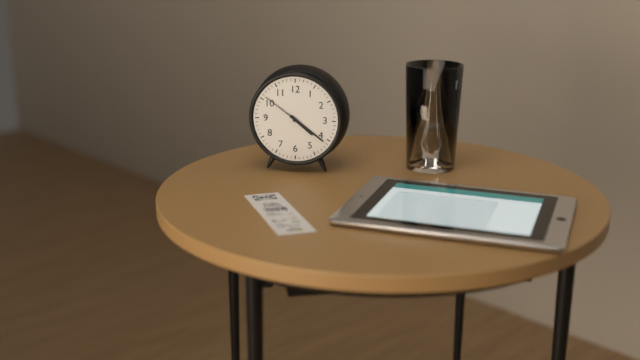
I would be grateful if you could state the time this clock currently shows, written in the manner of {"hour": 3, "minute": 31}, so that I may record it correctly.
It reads {"hour": 4, "minute": 21}
